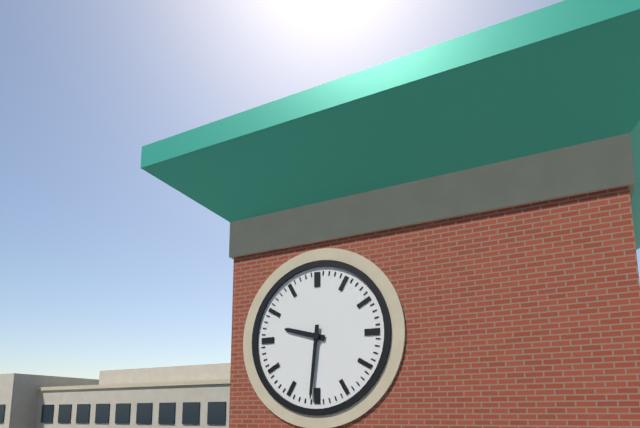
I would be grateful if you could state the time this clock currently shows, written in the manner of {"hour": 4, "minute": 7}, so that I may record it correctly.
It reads {"hour": 9, "minute": 31}
